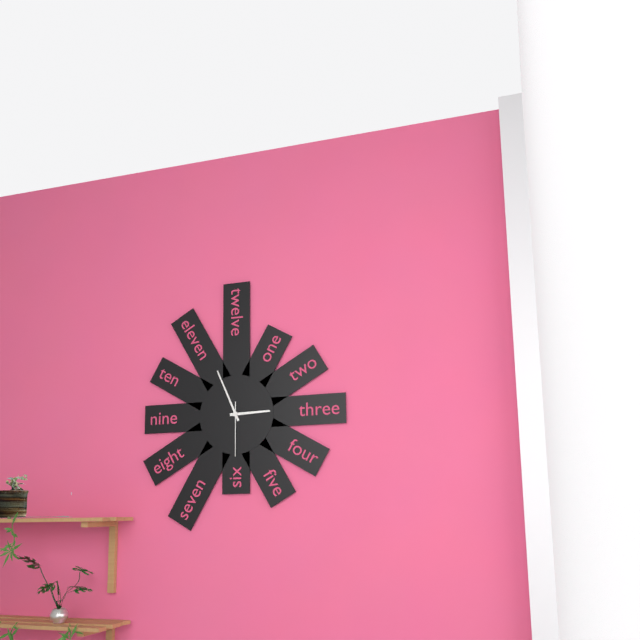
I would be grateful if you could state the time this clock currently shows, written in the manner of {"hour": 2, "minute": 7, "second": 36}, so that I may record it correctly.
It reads {"hour": 2, "minute": 56, "second": 30}
